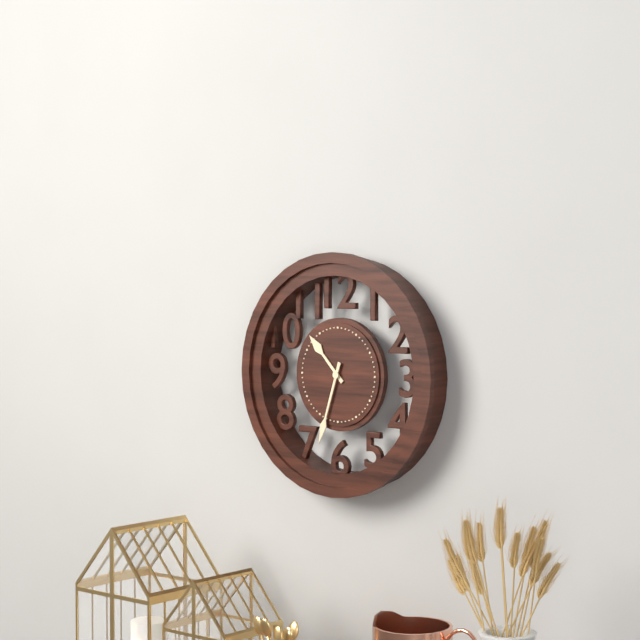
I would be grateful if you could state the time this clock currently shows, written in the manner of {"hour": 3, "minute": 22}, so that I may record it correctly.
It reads {"hour": 10, "minute": 33}
